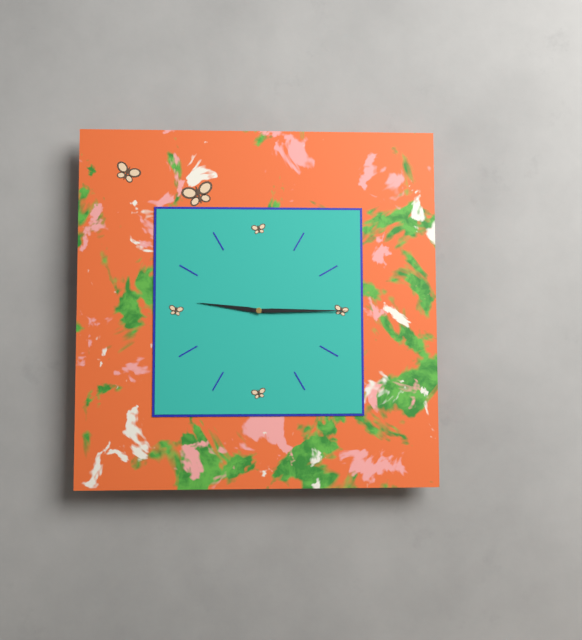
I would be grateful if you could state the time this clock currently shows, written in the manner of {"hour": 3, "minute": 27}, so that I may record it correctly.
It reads {"hour": 9, "minute": 15}
